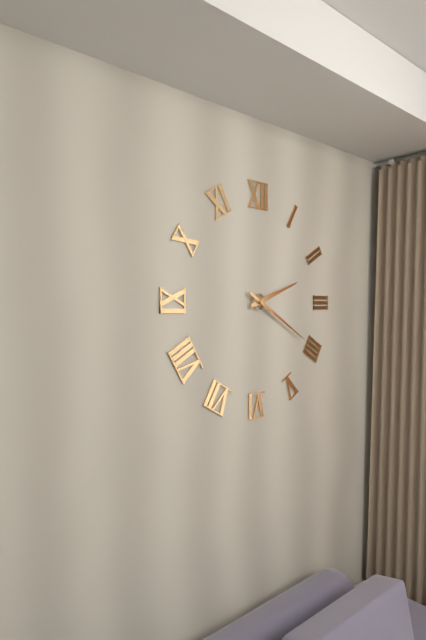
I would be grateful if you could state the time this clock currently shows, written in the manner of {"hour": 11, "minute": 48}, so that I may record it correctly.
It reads {"hour": 2, "minute": 20}
